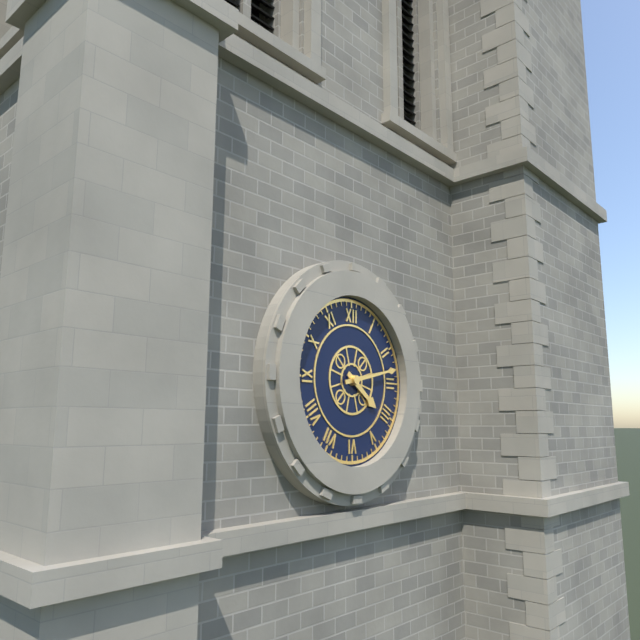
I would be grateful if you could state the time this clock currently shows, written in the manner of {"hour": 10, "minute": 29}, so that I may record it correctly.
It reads {"hour": 4, "minute": 13}
